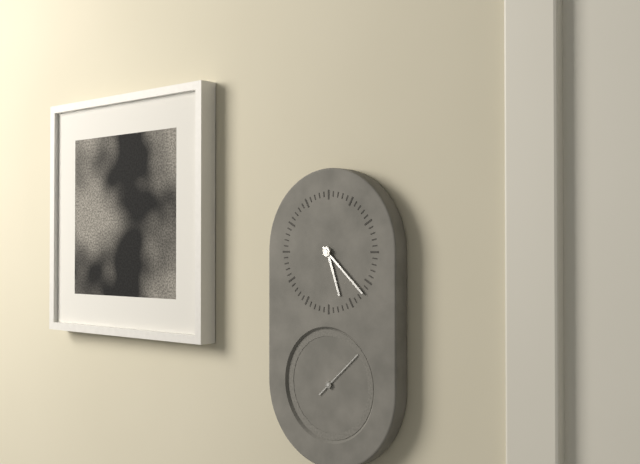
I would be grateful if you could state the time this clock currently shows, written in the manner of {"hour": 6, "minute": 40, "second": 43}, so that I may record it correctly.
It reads {"hour": 5, "minute": 22, "second": 8}
